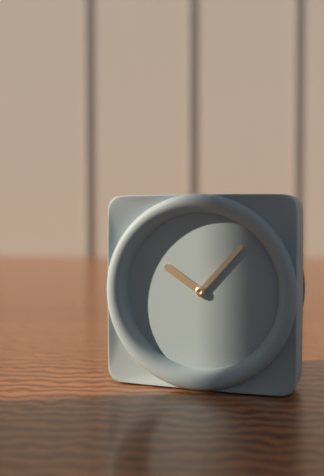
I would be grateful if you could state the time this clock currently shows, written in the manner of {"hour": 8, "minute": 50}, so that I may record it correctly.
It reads {"hour": 10, "minute": 7}
